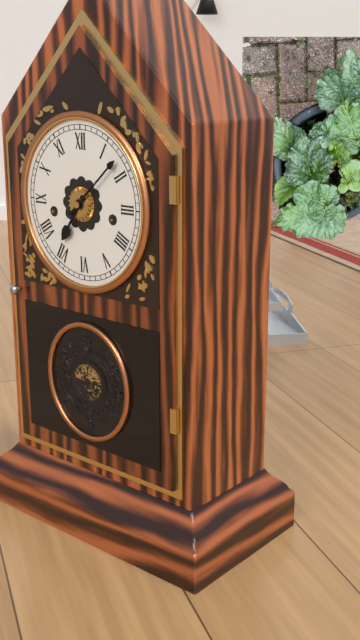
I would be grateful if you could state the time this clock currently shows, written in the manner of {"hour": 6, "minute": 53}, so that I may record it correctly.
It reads {"hour": 7, "minute": 8}
